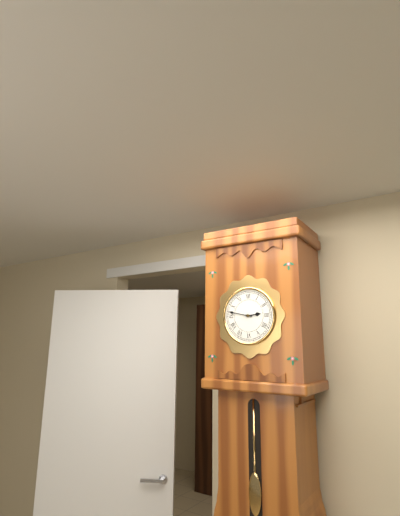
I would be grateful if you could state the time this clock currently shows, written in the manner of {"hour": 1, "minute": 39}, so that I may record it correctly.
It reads {"hour": 2, "minute": 47}
